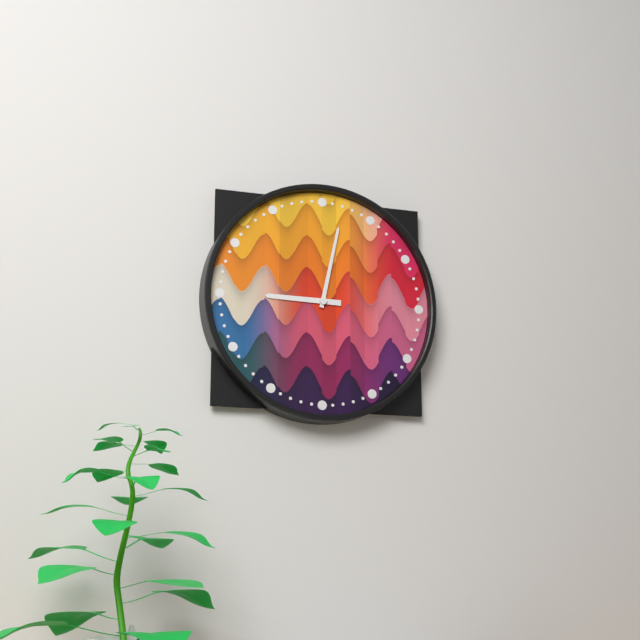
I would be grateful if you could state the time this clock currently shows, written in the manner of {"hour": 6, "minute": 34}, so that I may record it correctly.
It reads {"hour": 9, "minute": 2}
